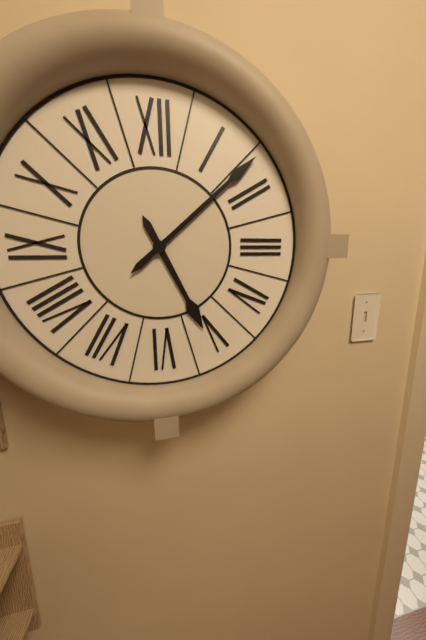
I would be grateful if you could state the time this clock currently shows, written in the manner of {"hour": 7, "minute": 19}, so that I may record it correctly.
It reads {"hour": 5, "minute": 8}
